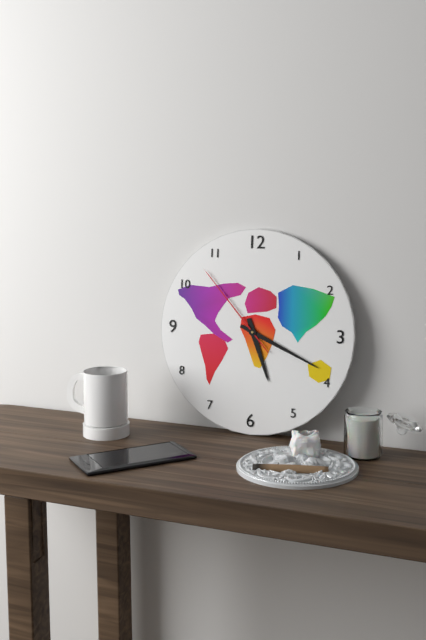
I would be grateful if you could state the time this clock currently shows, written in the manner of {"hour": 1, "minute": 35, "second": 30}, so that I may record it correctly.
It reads {"hour": 5, "minute": 19, "second": 53}
